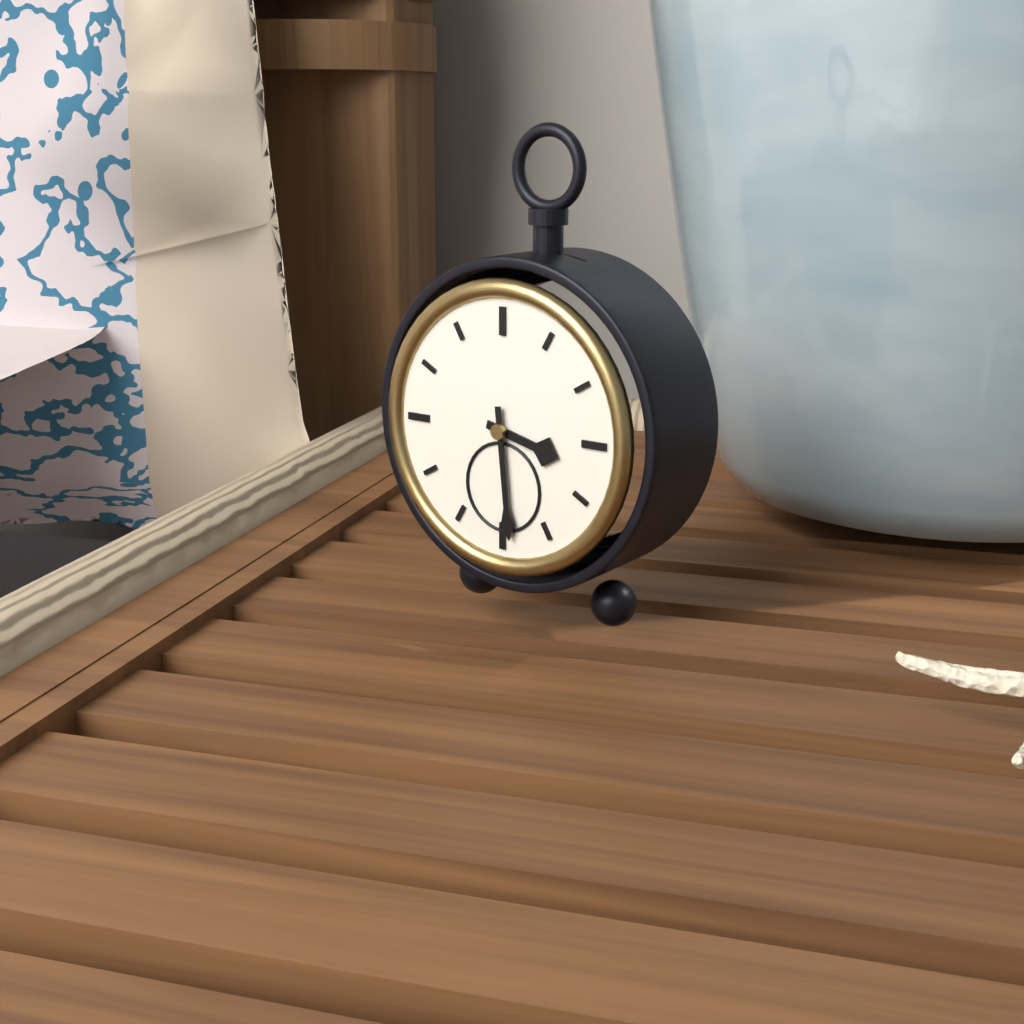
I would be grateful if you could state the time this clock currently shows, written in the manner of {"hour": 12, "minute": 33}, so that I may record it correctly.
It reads {"hour": 3, "minute": 29}
